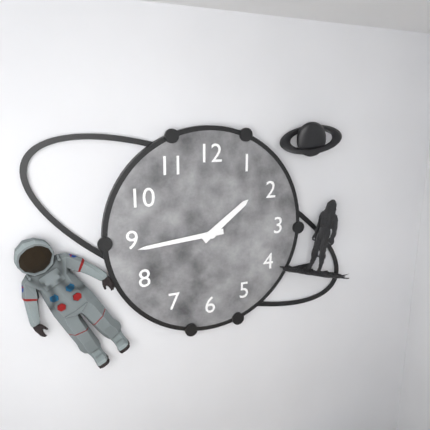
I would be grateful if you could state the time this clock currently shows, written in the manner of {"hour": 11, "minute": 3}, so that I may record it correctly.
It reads {"hour": 1, "minute": 44}
